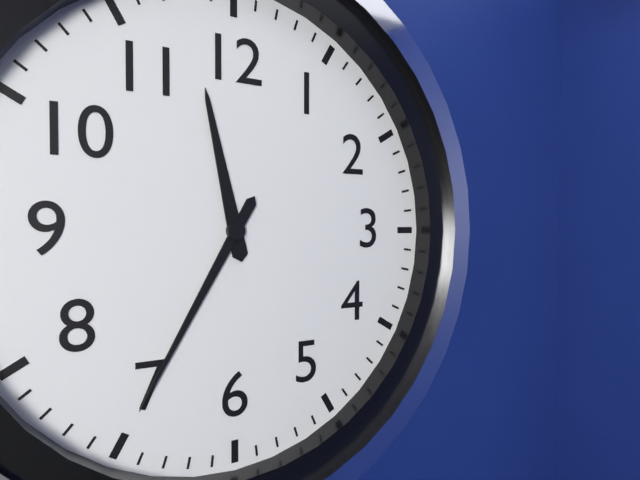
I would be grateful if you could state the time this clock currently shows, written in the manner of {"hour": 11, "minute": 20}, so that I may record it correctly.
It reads {"hour": 11, "minute": 35}
